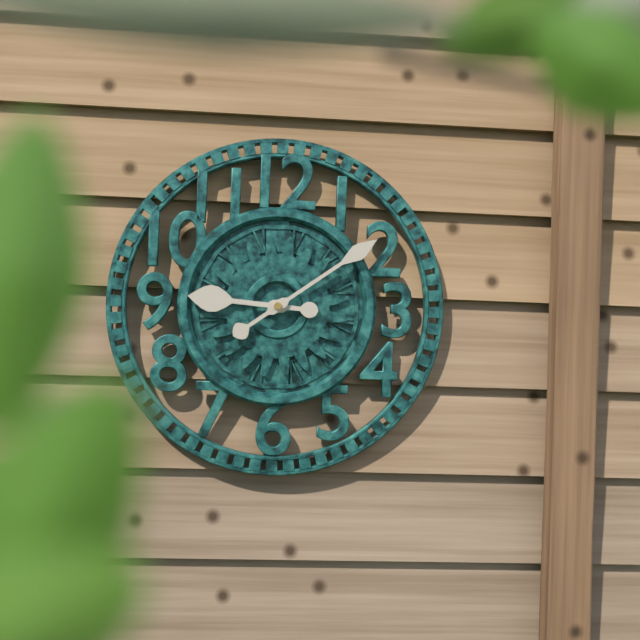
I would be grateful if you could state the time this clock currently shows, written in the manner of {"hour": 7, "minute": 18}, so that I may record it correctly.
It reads {"hour": 9, "minute": 9}
